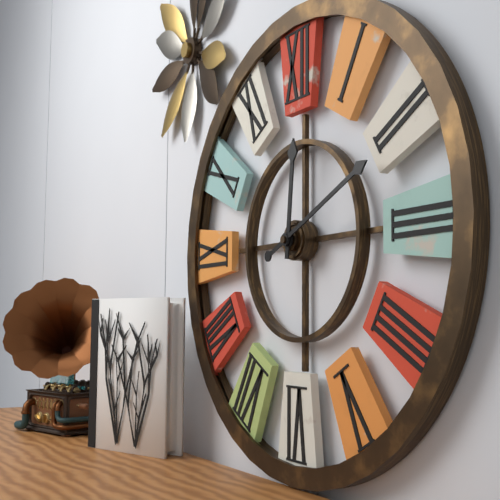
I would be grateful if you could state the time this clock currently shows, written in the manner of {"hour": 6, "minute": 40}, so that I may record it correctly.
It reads {"hour": 12, "minute": 11}
